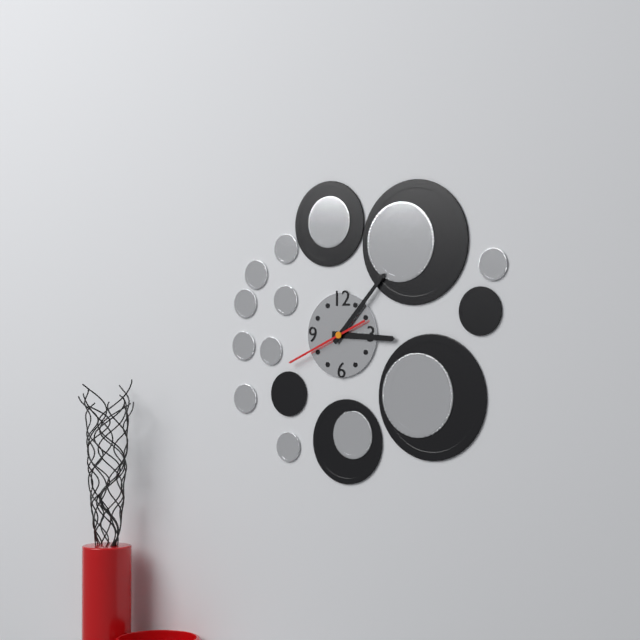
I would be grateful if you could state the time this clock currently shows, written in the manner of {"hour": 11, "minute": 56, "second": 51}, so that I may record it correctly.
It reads {"hour": 3, "minute": 7, "second": 41}
